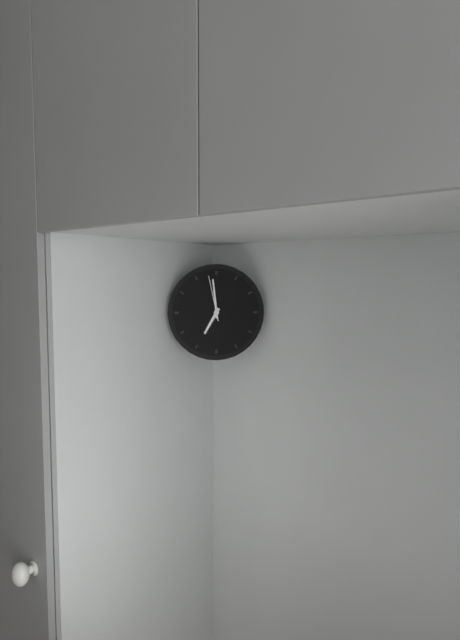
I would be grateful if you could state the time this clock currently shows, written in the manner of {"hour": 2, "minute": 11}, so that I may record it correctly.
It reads {"hour": 6, "minute": 59}
